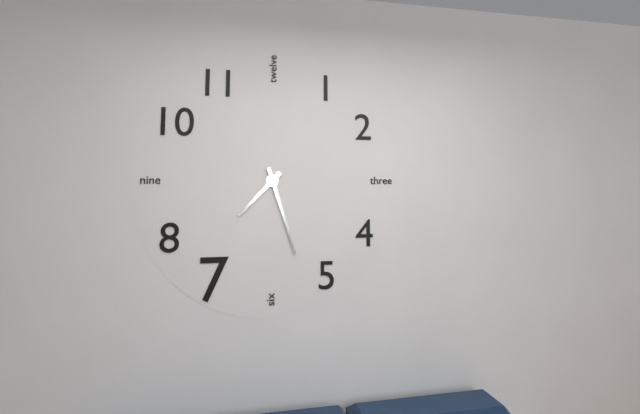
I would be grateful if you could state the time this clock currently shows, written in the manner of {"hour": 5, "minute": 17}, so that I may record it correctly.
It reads {"hour": 7, "minute": 27}
